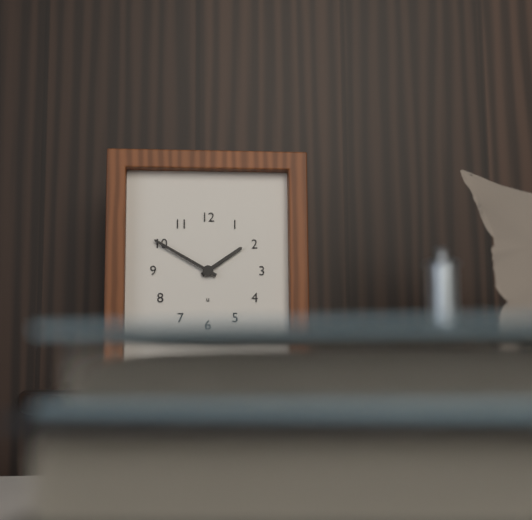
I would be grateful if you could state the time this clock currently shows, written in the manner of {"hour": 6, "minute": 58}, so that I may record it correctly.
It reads {"hour": 1, "minute": 50}
